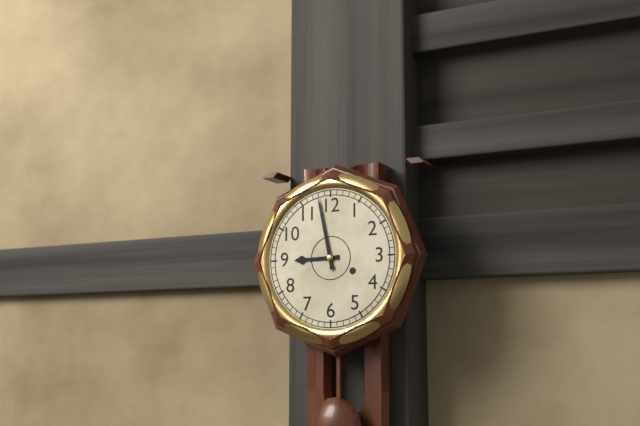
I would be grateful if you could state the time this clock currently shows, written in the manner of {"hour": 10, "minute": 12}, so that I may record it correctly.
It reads {"hour": 8, "minute": 58}
